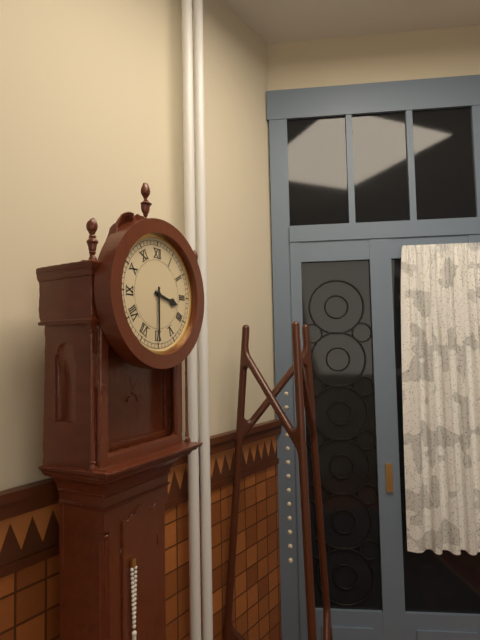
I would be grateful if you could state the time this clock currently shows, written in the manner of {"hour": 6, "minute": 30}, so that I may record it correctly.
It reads {"hour": 3, "minute": 30}
